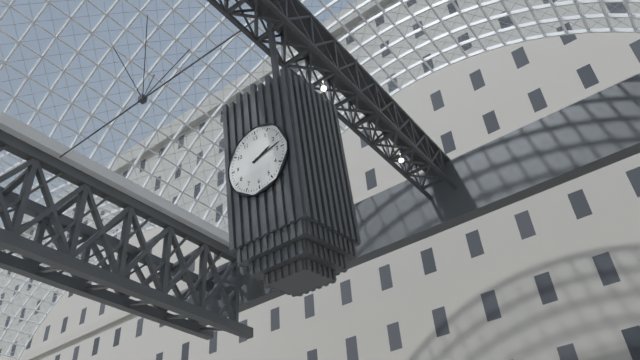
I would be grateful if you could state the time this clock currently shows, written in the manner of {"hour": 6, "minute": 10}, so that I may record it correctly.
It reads {"hour": 2, "minute": 13}
